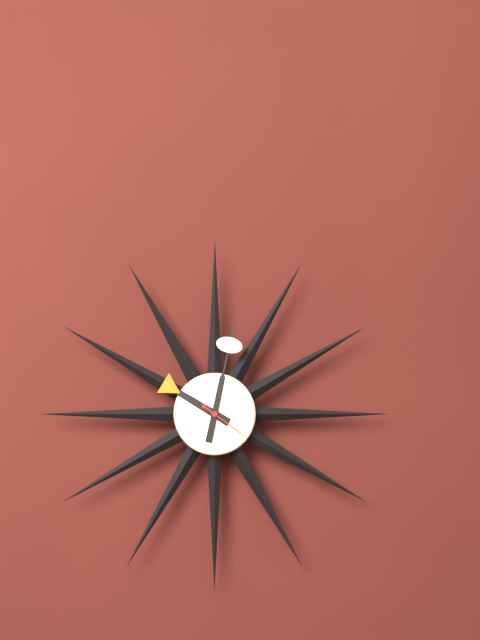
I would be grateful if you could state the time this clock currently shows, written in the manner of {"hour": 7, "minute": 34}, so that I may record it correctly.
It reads {"hour": 10, "minute": 2}
